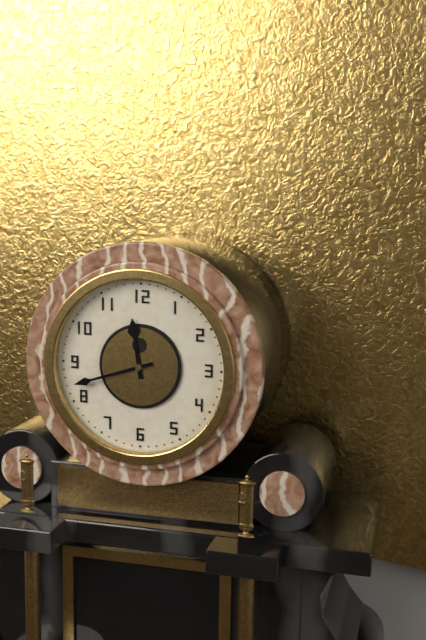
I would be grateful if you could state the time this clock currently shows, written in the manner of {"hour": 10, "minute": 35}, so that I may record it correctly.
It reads {"hour": 11, "minute": 42}
